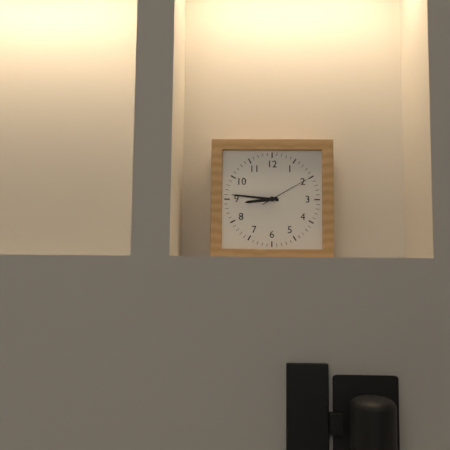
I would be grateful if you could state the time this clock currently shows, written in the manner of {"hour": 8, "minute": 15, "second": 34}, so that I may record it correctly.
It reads {"hour": 8, "minute": 46, "second": 10}
